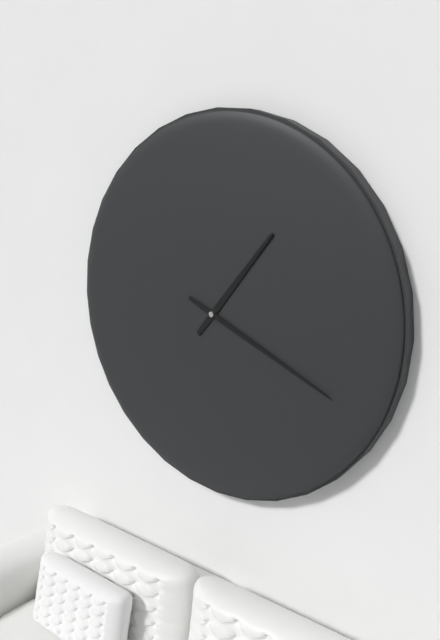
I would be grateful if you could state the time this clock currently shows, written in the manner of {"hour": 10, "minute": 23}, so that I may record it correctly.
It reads {"hour": 1, "minute": 19}
